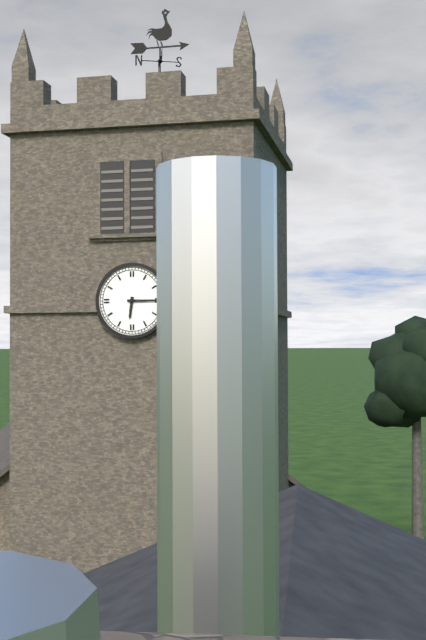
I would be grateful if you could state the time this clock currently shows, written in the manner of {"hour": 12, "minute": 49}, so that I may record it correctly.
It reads {"hour": 6, "minute": 15}
